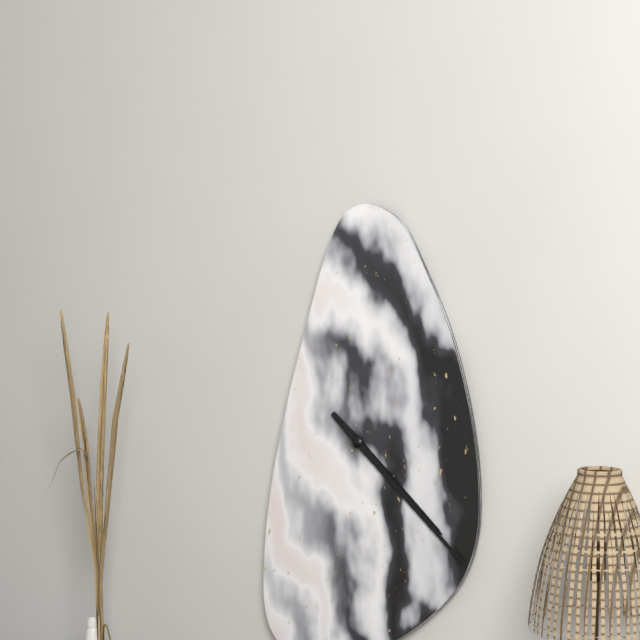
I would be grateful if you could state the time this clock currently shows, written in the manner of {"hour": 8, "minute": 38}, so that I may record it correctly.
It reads {"hour": 4, "minute": 22}
